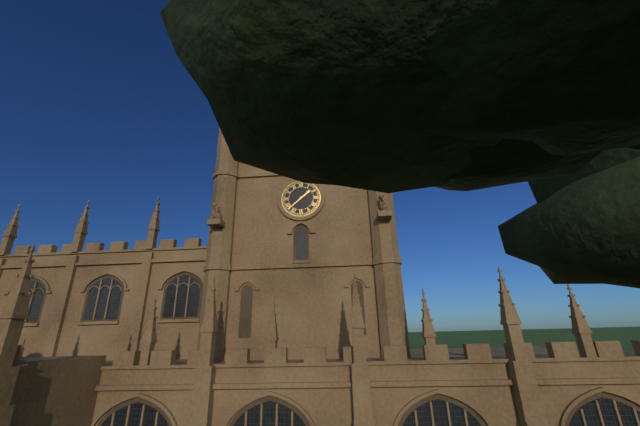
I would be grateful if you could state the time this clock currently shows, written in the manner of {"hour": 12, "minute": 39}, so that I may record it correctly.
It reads {"hour": 1, "minute": 38}
